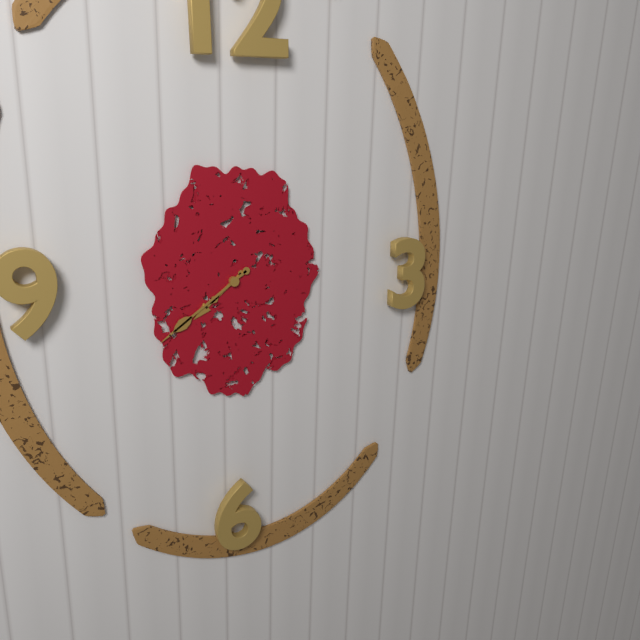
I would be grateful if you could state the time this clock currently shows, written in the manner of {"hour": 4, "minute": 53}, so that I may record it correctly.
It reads {"hour": 7, "minute": 39}
